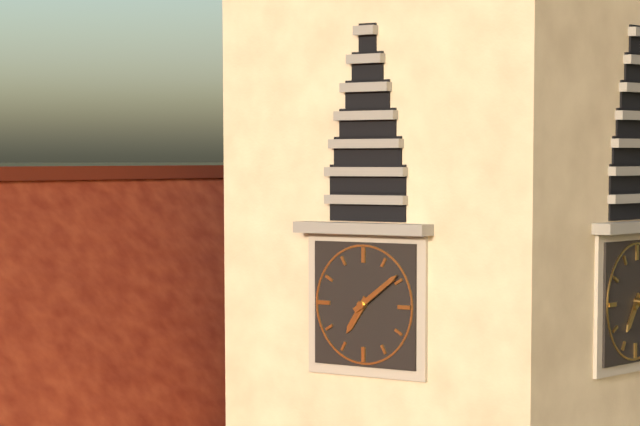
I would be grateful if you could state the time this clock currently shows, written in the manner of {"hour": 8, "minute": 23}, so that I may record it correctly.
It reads {"hour": 7, "minute": 9}
